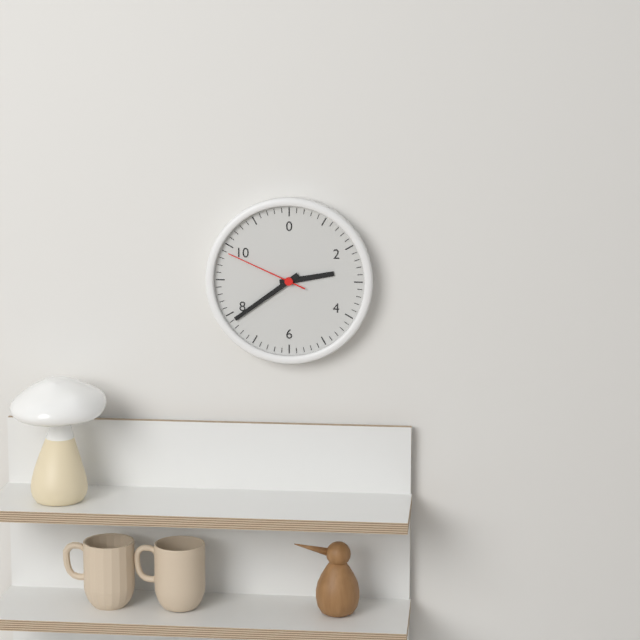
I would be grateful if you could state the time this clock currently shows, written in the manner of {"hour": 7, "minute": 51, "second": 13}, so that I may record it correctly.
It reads {"hour": 2, "minute": 39, "second": 49}
